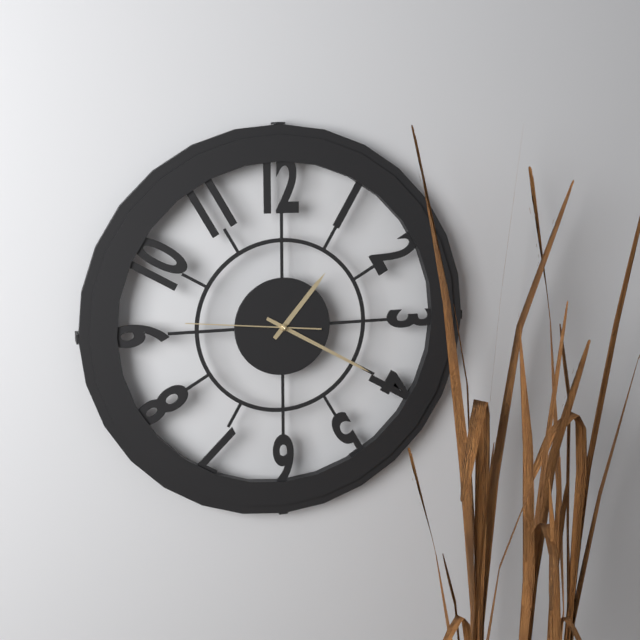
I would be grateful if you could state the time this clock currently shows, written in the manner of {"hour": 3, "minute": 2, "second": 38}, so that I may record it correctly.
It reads {"hour": 1, "minute": 20, "second": 46}
